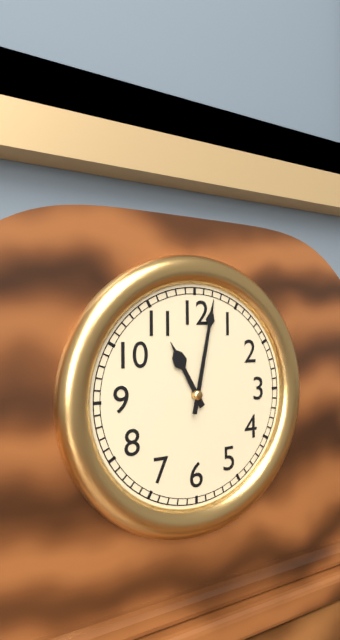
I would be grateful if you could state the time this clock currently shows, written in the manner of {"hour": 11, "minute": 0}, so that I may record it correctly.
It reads {"hour": 11, "minute": 2}
